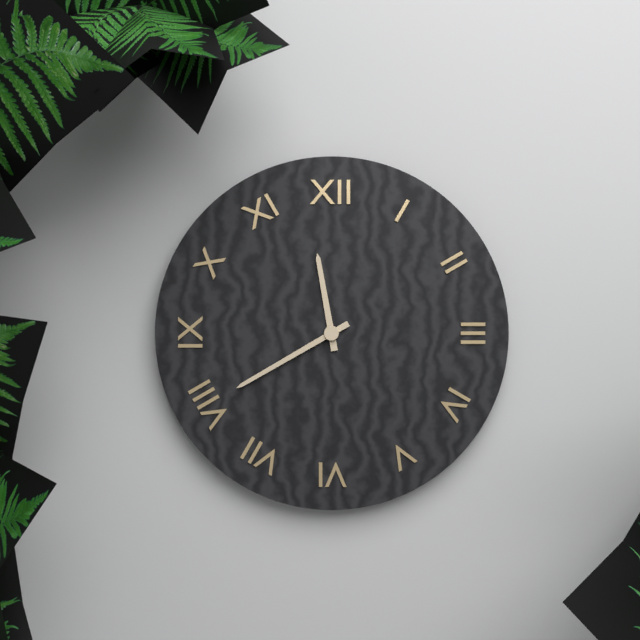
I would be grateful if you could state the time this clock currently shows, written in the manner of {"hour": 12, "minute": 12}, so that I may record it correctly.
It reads {"hour": 11, "minute": 40}
